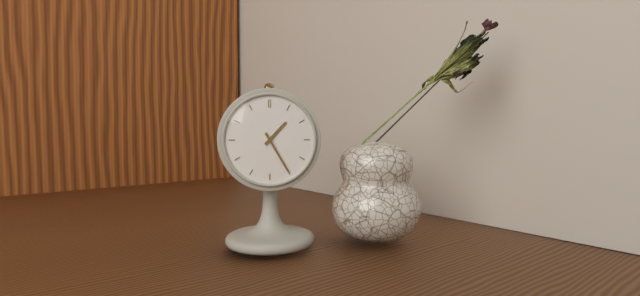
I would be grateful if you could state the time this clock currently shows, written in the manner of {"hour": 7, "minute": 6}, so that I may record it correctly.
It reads {"hour": 1, "minute": 25}
